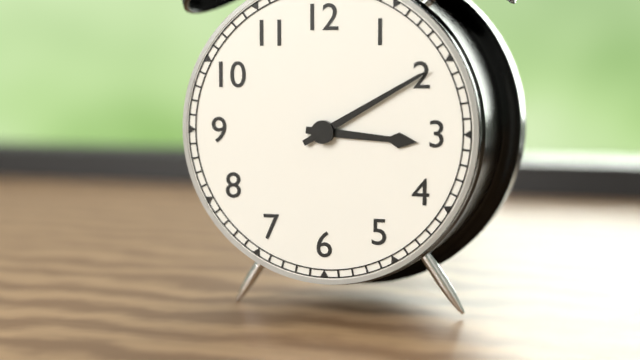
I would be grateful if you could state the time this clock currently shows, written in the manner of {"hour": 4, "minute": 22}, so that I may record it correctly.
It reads {"hour": 3, "minute": 10}
